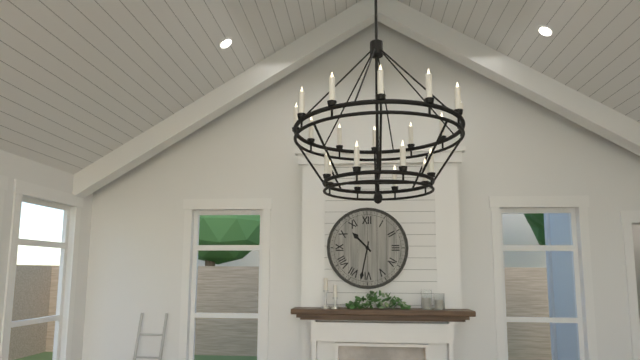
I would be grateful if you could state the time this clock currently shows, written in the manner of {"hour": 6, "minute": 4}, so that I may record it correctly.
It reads {"hour": 10, "minute": 32}
